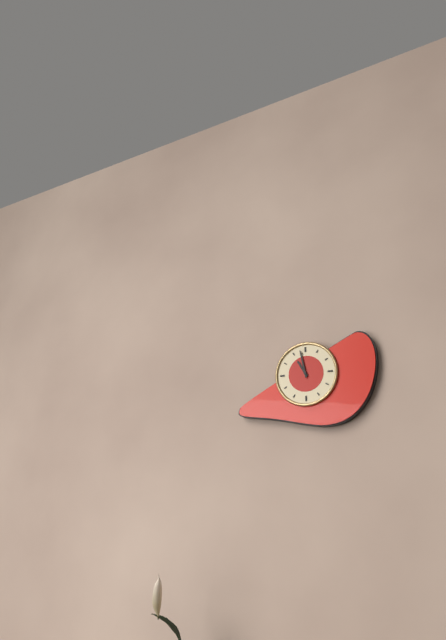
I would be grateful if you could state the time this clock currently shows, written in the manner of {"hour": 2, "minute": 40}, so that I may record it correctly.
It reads {"hour": 10, "minute": 58}
